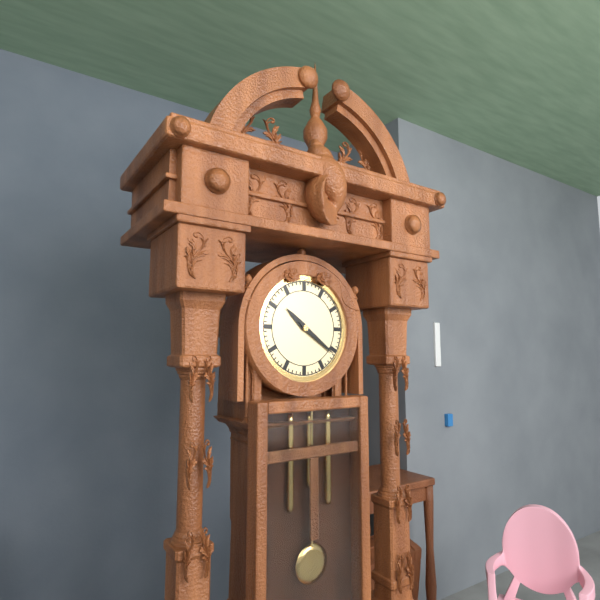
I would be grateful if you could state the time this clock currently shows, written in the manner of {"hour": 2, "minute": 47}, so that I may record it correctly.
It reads {"hour": 10, "minute": 21}
